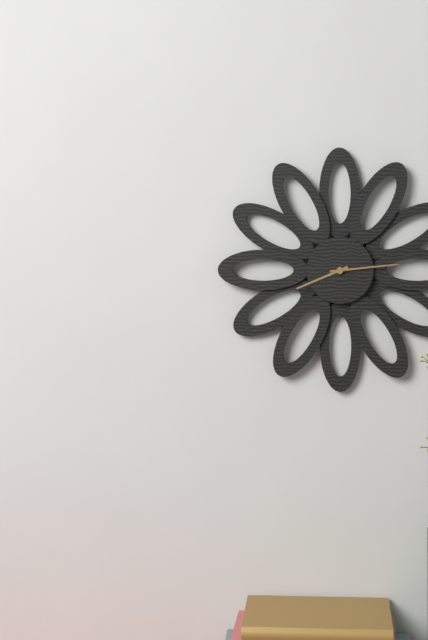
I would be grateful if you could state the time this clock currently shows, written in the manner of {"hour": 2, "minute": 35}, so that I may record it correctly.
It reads {"hour": 8, "minute": 14}
